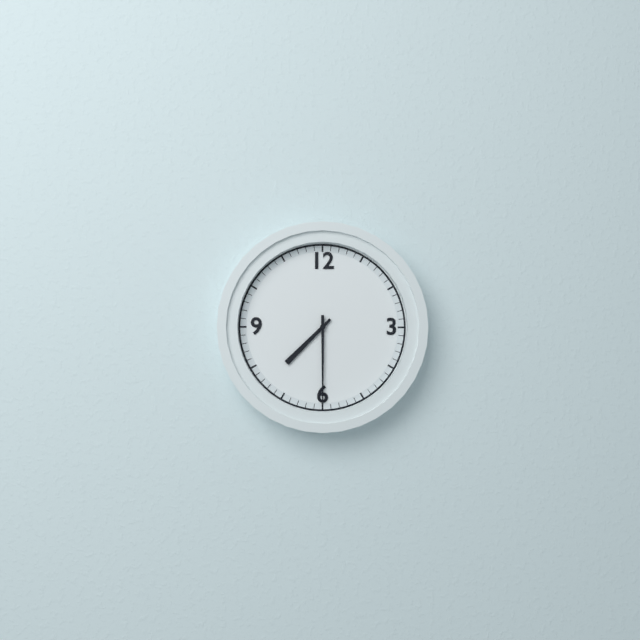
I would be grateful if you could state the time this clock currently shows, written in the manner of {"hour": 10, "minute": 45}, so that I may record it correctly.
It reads {"hour": 7, "minute": 30}
